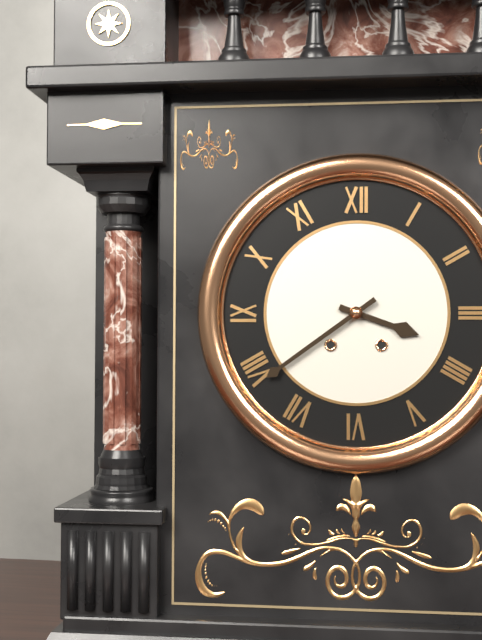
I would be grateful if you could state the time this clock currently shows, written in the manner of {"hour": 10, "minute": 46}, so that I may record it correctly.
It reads {"hour": 3, "minute": 39}
